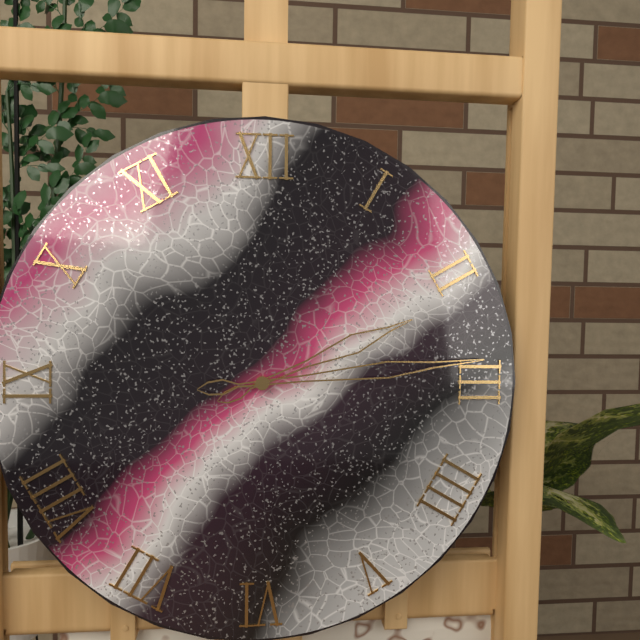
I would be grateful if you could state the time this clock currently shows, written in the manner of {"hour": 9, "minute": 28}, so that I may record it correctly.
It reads {"hour": 2, "minute": 14}
